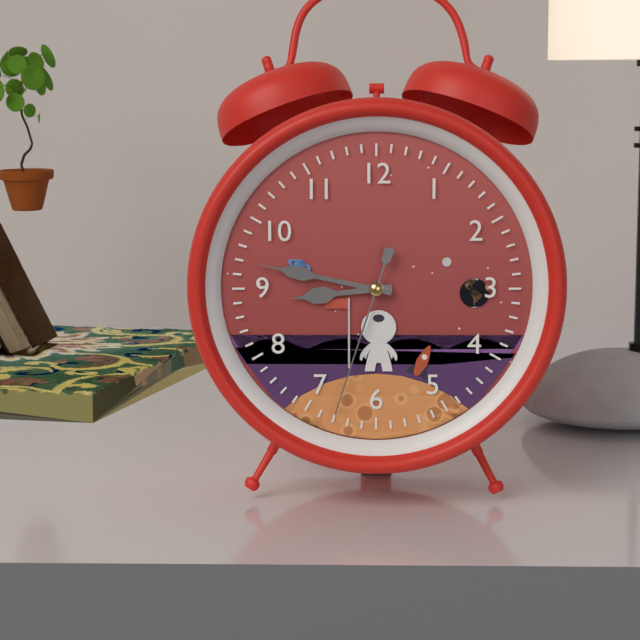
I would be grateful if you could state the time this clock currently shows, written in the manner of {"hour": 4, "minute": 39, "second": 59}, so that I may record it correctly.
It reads {"hour": 8, "minute": 47, "second": 33}
